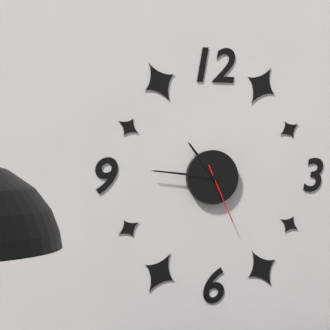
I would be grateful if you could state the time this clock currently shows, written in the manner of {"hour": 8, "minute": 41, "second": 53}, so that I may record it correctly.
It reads {"hour": 10, "minute": 46, "second": 26}
